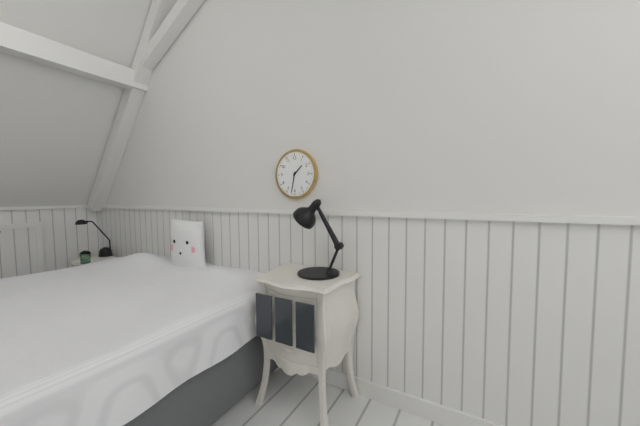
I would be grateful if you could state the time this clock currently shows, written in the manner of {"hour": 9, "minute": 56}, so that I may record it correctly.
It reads {"hour": 1, "minute": 32}
